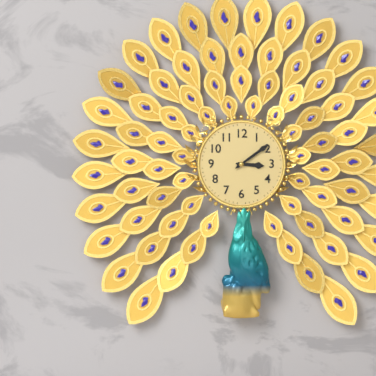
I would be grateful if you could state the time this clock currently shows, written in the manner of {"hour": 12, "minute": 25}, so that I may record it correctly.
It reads {"hour": 3, "minute": 9}
